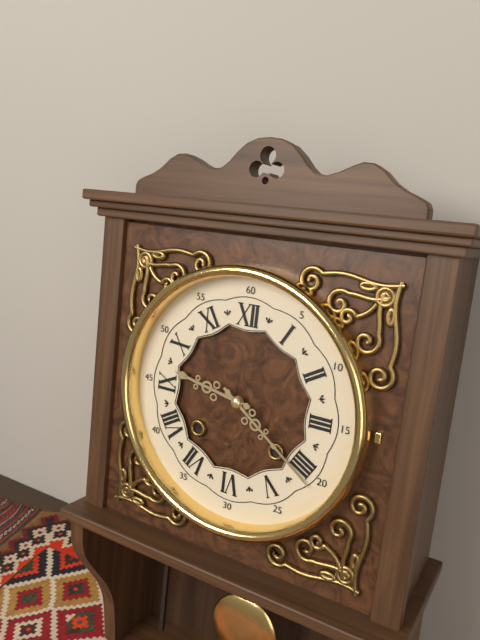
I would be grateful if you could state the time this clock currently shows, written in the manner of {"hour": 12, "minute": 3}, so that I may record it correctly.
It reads {"hour": 9, "minute": 21}
